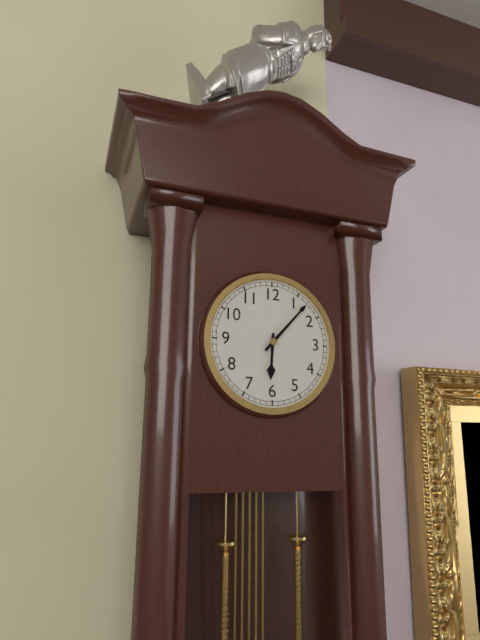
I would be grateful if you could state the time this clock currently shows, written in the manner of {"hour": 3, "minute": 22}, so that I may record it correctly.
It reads {"hour": 6, "minute": 7}
